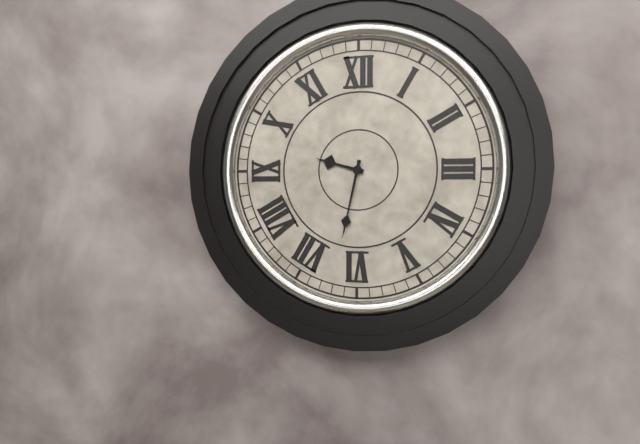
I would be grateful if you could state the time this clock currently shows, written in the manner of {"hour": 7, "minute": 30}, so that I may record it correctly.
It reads {"hour": 9, "minute": 32}
